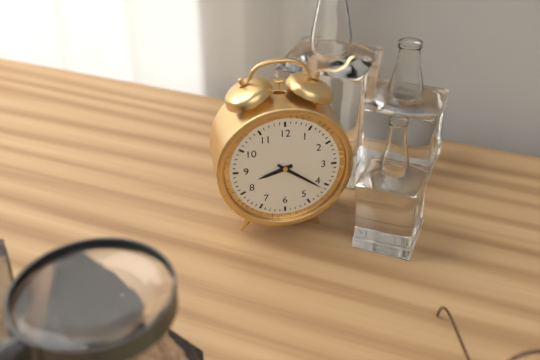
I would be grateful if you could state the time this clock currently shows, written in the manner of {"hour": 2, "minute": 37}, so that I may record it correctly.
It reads {"hour": 8, "minute": 21}
